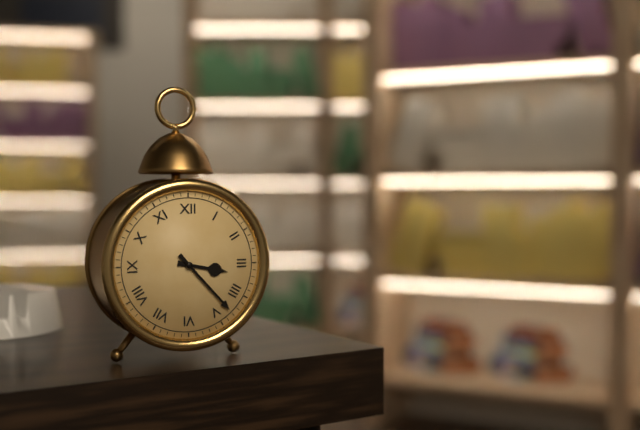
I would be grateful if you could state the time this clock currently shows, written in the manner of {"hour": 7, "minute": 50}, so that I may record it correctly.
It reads {"hour": 3, "minute": 23}
